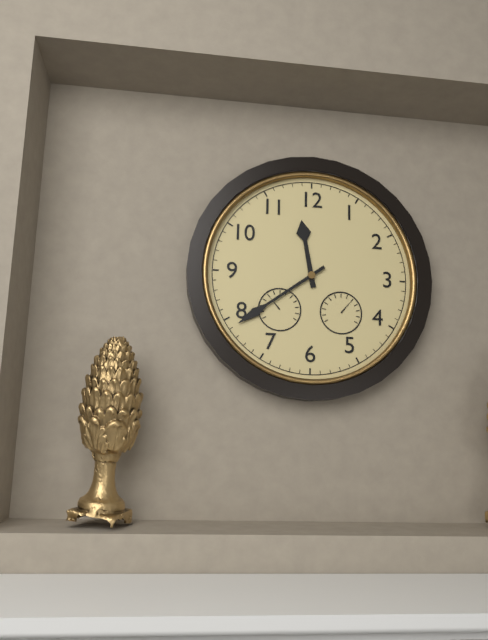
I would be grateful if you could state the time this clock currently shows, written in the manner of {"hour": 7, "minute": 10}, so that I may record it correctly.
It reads {"hour": 11, "minute": 39}
